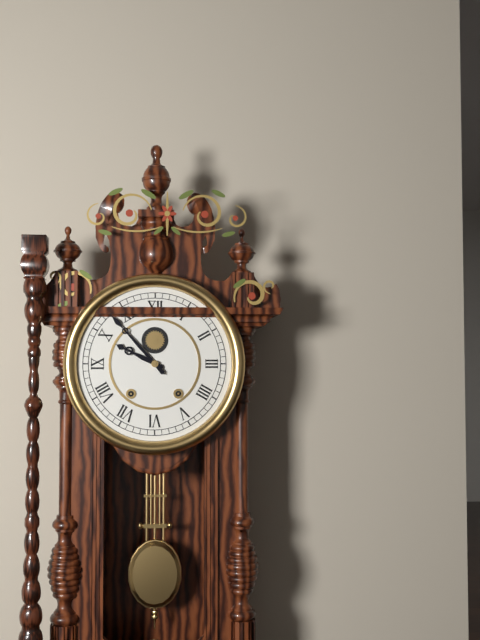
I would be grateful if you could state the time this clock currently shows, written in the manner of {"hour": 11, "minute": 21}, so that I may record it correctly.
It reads {"hour": 9, "minute": 53}
